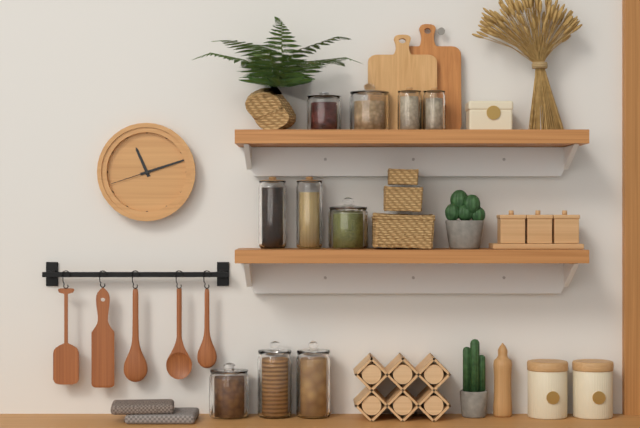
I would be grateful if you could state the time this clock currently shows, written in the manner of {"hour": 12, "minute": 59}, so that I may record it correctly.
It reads {"hour": 11, "minute": 12}
